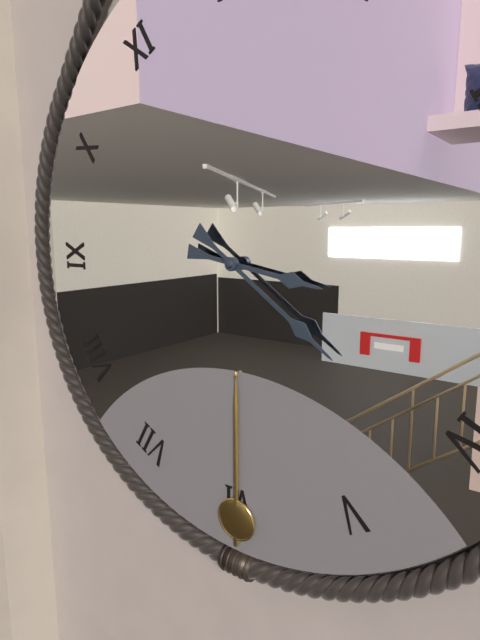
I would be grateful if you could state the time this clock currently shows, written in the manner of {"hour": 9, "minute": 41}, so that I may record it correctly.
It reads {"hour": 3, "minute": 21}
